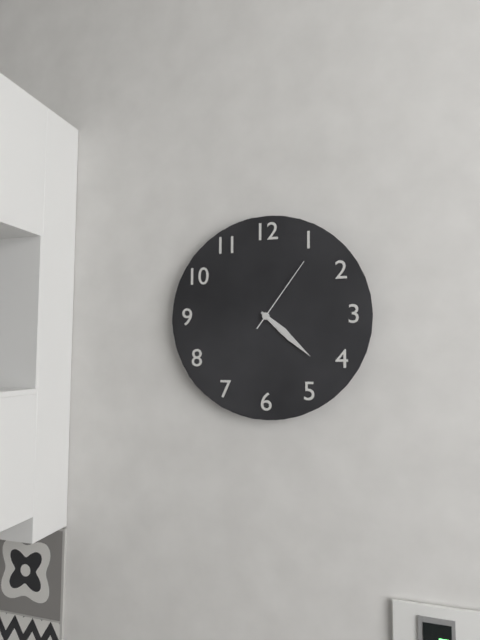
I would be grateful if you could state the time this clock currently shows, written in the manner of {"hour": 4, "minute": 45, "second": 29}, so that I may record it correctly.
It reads {"hour": 4, "minute": 22, "second": 6}
